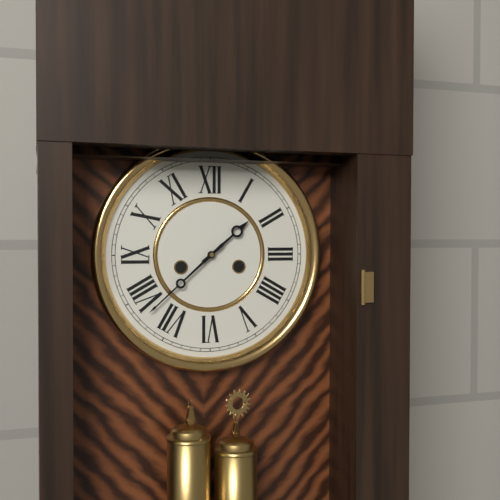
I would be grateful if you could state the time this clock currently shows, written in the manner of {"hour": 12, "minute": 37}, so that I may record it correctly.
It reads {"hour": 1, "minute": 38}
